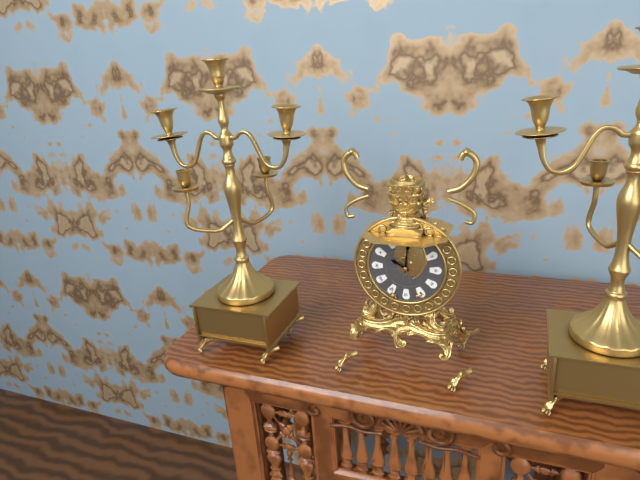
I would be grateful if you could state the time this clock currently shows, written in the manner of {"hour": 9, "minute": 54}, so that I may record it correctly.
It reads {"hour": 10, "minute": 1}
